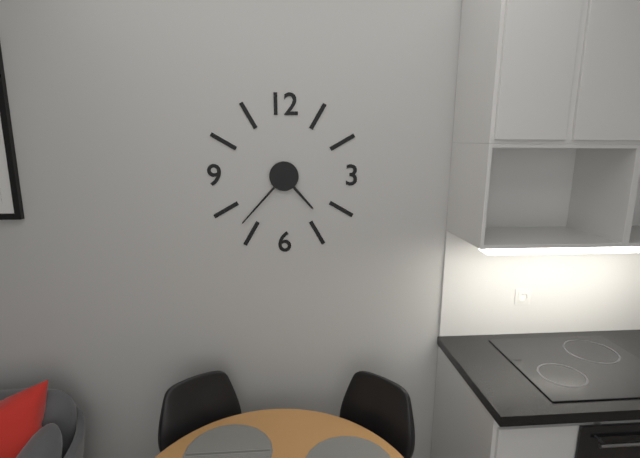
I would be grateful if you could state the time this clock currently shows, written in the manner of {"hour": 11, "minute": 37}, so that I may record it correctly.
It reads {"hour": 4, "minute": 37}
